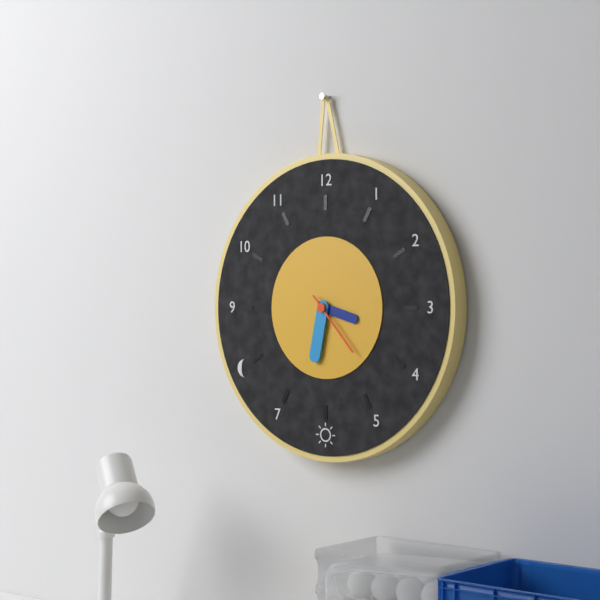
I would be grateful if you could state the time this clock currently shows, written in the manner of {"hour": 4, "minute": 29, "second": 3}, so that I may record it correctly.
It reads {"hour": 3, "minute": 32, "second": 23}
